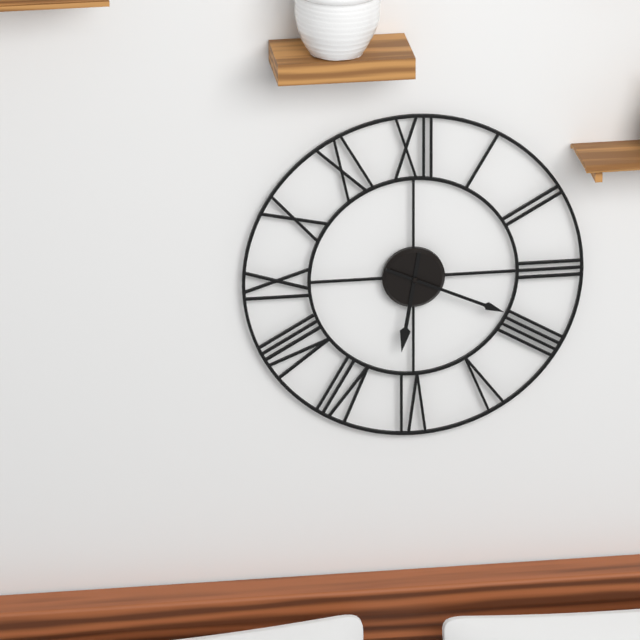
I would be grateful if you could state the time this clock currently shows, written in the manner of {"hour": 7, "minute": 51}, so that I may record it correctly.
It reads {"hour": 6, "minute": 19}
